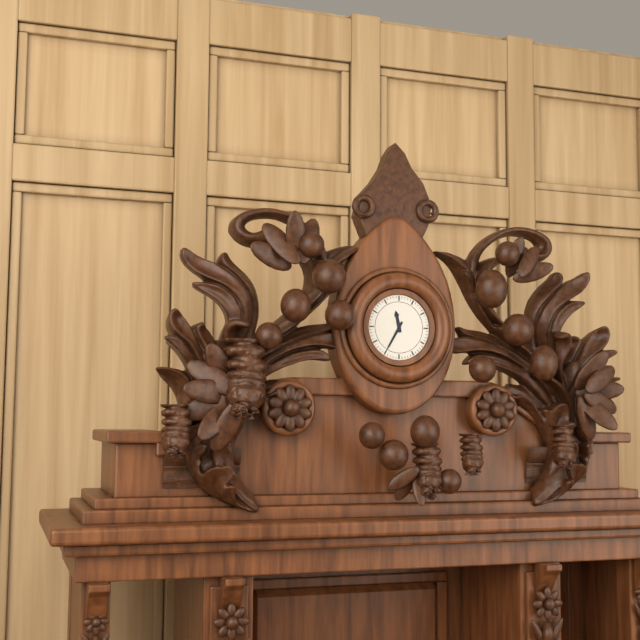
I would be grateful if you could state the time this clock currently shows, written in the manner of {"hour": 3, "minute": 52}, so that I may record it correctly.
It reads {"hour": 11, "minute": 35}
